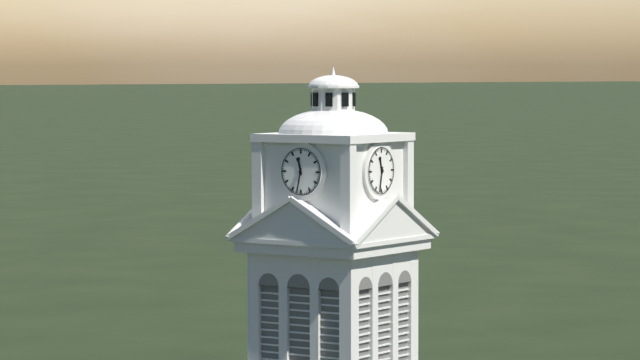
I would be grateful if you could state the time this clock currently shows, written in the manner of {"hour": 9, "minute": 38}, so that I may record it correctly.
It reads {"hour": 11, "minute": 32}
